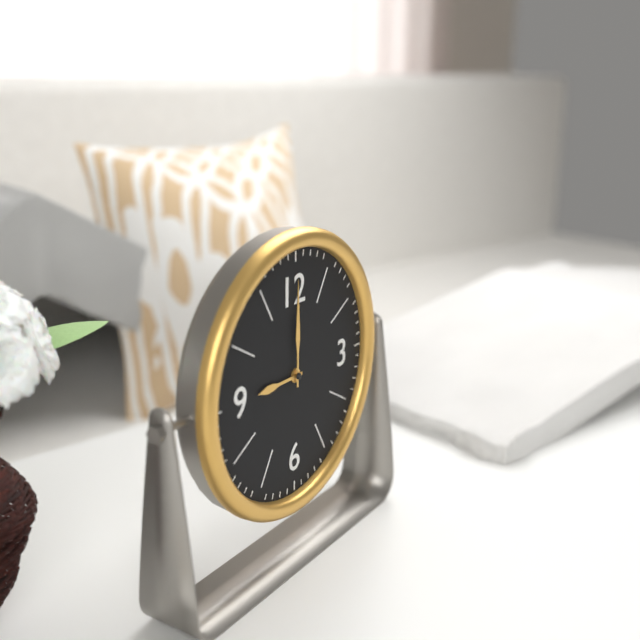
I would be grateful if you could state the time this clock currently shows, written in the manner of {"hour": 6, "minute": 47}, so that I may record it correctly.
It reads {"hour": 9, "minute": 0}
